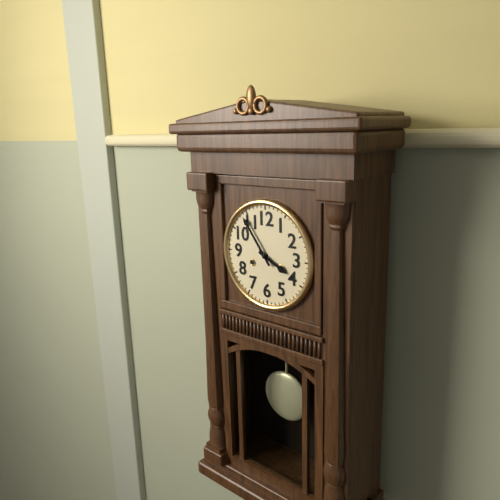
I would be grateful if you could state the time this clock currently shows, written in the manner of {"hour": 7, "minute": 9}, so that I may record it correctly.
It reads {"hour": 3, "minute": 54}
